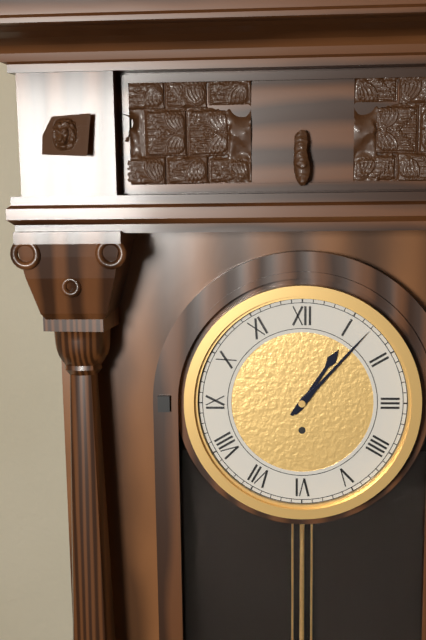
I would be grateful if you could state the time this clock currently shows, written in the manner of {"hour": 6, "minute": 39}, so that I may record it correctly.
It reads {"hour": 1, "minute": 7}
